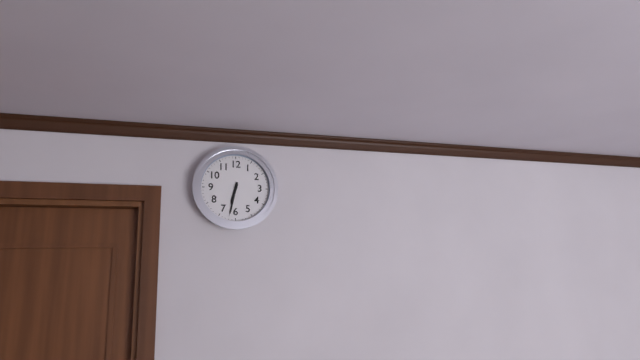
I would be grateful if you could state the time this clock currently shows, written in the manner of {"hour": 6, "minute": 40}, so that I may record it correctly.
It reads {"hour": 6, "minute": 32}
